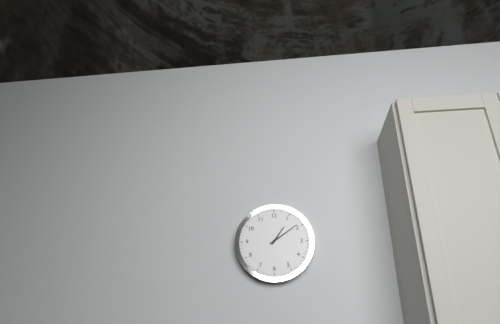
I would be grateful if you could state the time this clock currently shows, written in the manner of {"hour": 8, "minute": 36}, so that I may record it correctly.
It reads {"hour": 1, "minute": 9}
